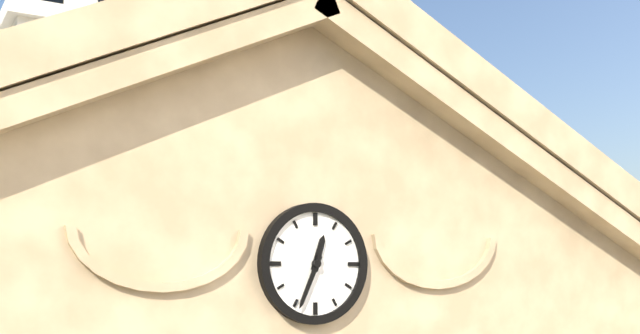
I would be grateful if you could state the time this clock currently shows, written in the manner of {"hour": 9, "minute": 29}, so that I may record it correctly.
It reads {"hour": 12, "minute": 34}
